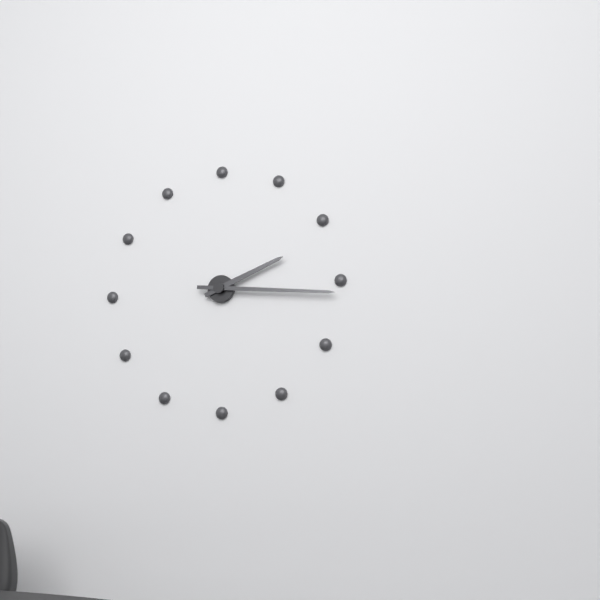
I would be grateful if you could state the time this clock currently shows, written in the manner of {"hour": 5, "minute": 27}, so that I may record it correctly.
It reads {"hour": 2, "minute": 16}
